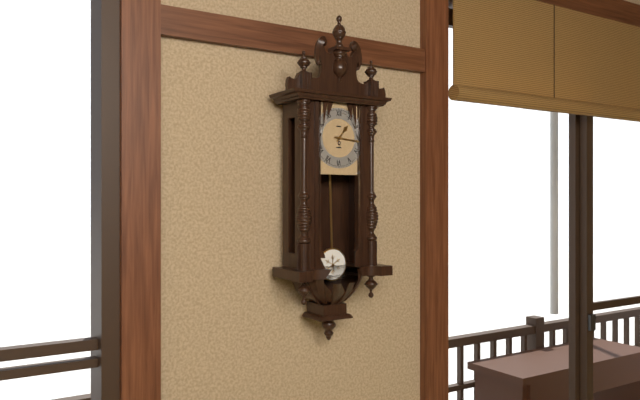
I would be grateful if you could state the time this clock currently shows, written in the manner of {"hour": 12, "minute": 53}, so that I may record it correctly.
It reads {"hour": 1, "minute": 16}
